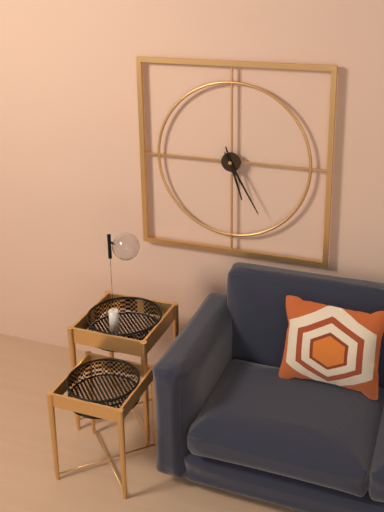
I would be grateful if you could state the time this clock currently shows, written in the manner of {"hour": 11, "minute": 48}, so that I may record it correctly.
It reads {"hour": 5, "minute": 25}
